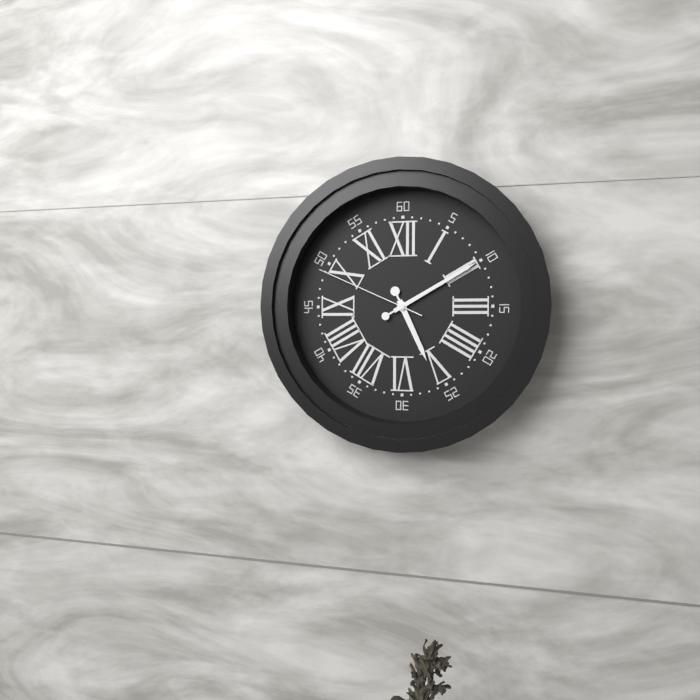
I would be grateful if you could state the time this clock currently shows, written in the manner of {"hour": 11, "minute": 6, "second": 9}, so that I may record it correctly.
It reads {"hour": 5, "minute": 10, "second": 49}
